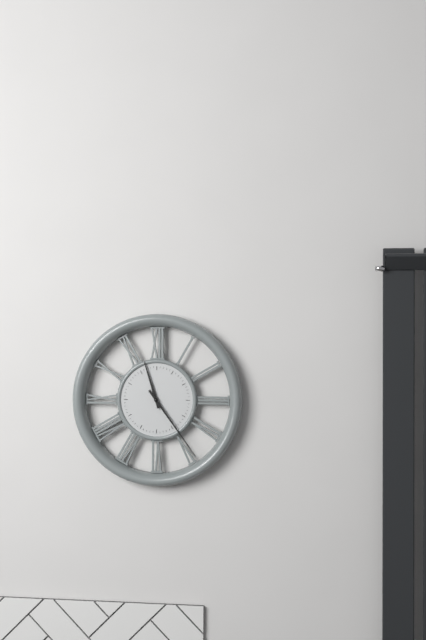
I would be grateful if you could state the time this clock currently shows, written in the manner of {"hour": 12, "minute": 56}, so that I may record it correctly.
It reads {"hour": 11, "minute": 24}
